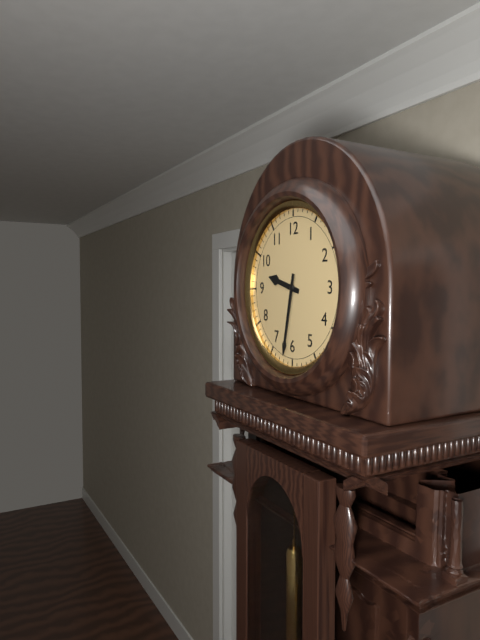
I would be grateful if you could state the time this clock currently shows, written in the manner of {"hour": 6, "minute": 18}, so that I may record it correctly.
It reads {"hour": 9, "minute": 32}
